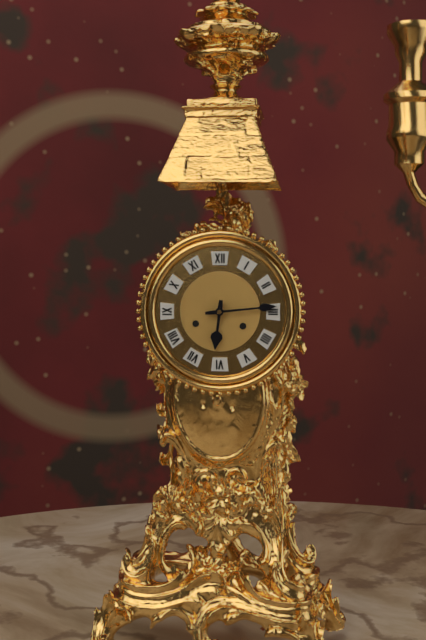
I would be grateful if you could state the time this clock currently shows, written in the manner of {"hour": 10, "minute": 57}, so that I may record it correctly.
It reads {"hour": 6, "minute": 14}
